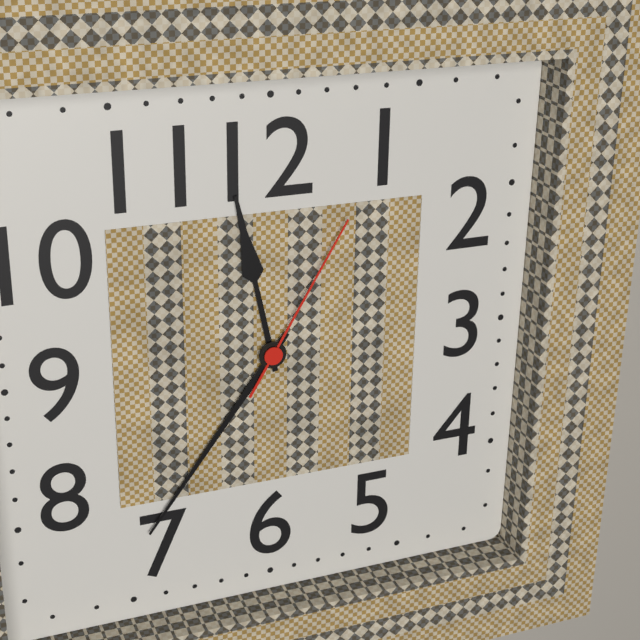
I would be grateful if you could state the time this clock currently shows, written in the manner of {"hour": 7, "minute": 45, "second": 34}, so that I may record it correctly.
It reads {"hour": 11, "minute": 36, "second": 5}
